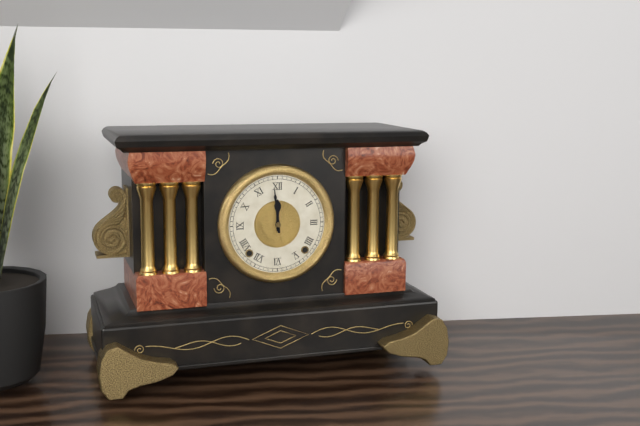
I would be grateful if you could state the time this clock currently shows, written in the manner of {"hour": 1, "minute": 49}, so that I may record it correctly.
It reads {"hour": 11, "minute": 59}
